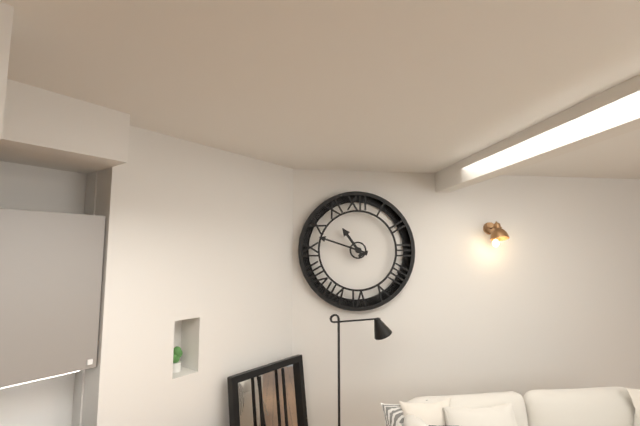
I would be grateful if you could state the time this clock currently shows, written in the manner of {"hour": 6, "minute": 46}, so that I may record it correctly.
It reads {"hour": 10, "minute": 48}
